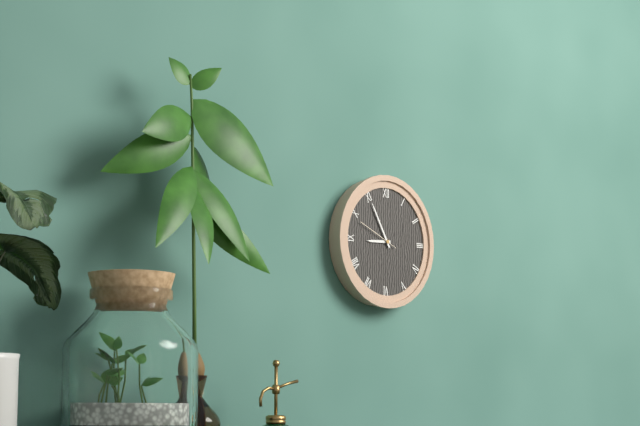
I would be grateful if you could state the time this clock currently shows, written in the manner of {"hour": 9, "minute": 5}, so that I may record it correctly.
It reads {"hour": 8, "minute": 55}
